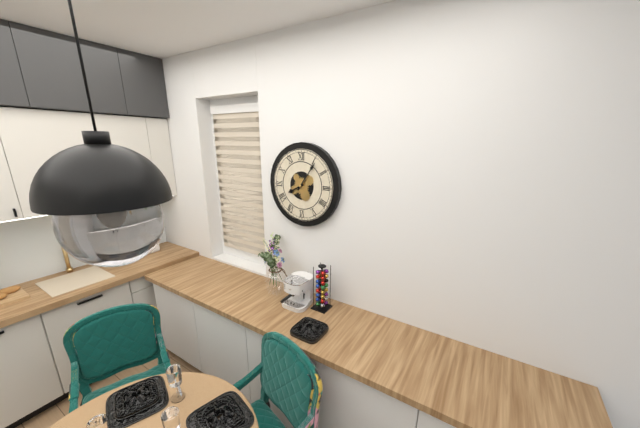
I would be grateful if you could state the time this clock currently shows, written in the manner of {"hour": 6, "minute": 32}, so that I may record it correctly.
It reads {"hour": 8, "minute": 6}
